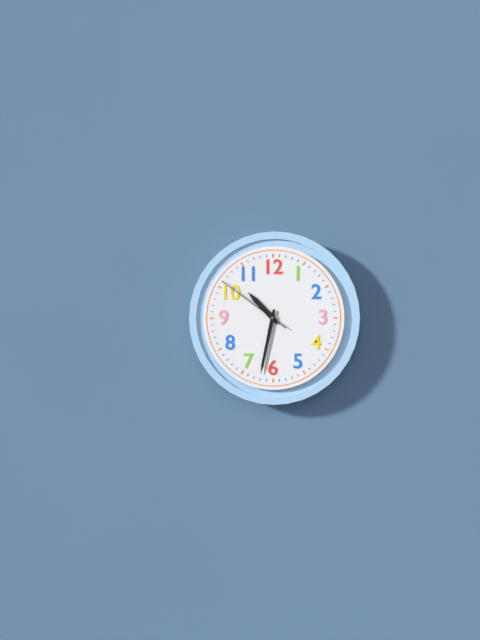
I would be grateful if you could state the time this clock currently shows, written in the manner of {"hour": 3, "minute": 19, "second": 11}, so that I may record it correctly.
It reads {"hour": 10, "minute": 32, "second": 51}
